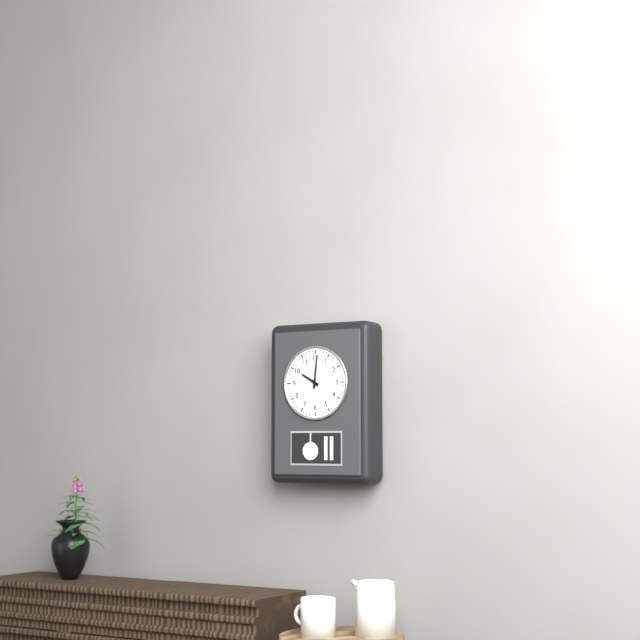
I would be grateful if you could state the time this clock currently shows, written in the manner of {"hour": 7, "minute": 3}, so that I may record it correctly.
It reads {"hour": 10, "minute": 1}
